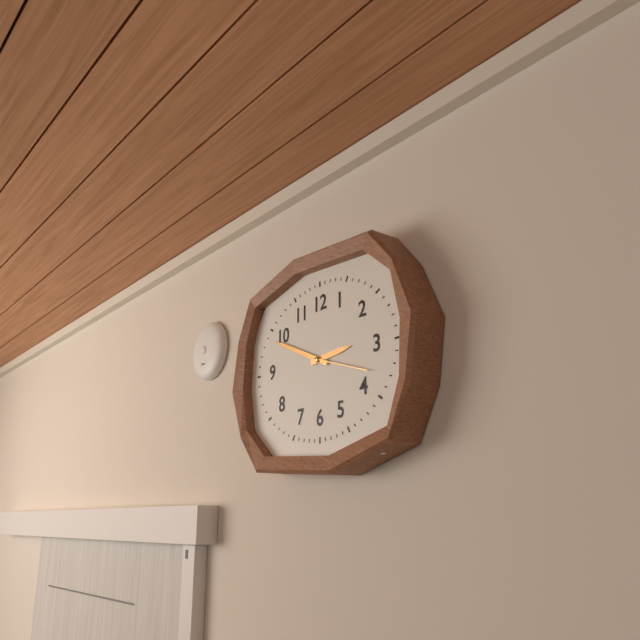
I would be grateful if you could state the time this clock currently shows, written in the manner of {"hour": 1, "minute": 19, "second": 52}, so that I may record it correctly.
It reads {"hour": 2, "minute": 49, "second": 18}
